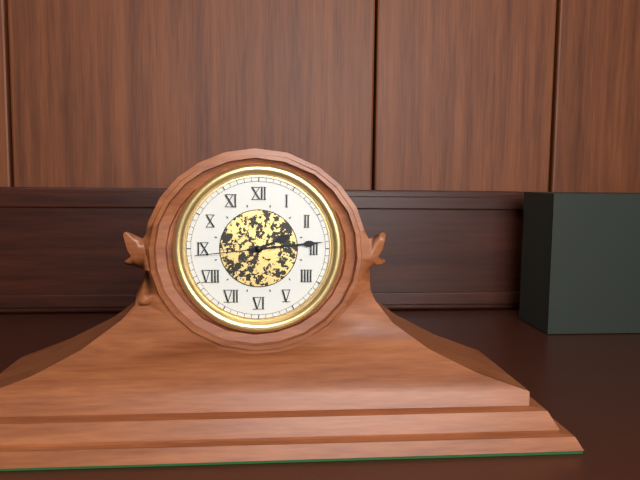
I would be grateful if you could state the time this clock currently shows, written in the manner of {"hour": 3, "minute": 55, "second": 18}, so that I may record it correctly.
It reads {"hour": 2, "minute": 14, "second": 44}
